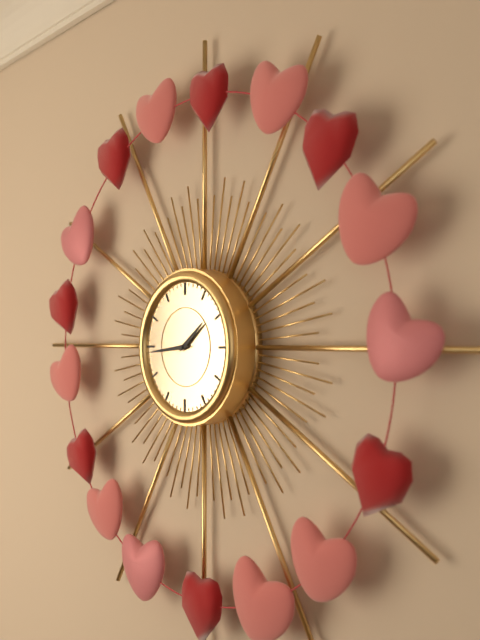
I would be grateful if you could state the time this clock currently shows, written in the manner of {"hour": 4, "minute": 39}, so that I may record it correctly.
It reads {"hour": 1, "minute": 44}
